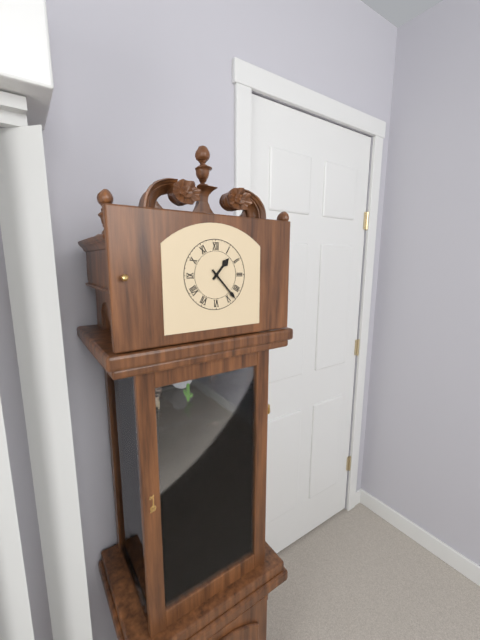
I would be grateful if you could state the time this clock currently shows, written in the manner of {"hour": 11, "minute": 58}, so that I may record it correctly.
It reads {"hour": 1, "minute": 23}
